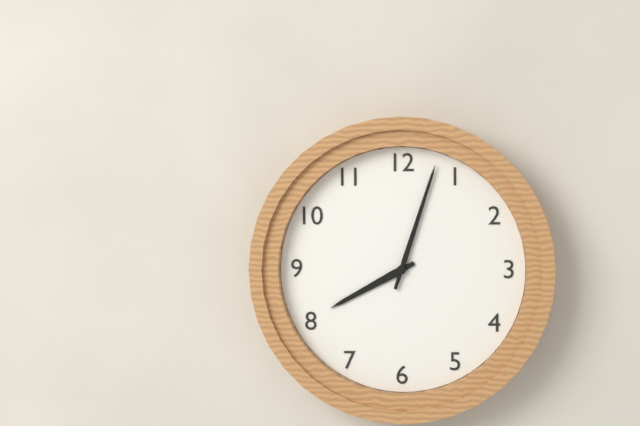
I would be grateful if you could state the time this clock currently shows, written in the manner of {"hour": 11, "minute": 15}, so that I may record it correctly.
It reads {"hour": 8, "minute": 3}
